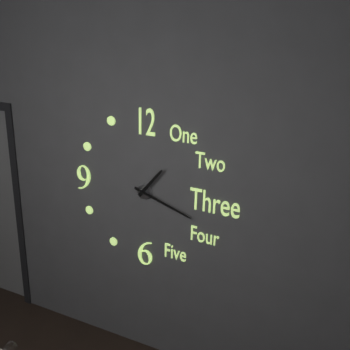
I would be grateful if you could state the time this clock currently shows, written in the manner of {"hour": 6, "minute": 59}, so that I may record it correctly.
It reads {"hour": 1, "minute": 18}
